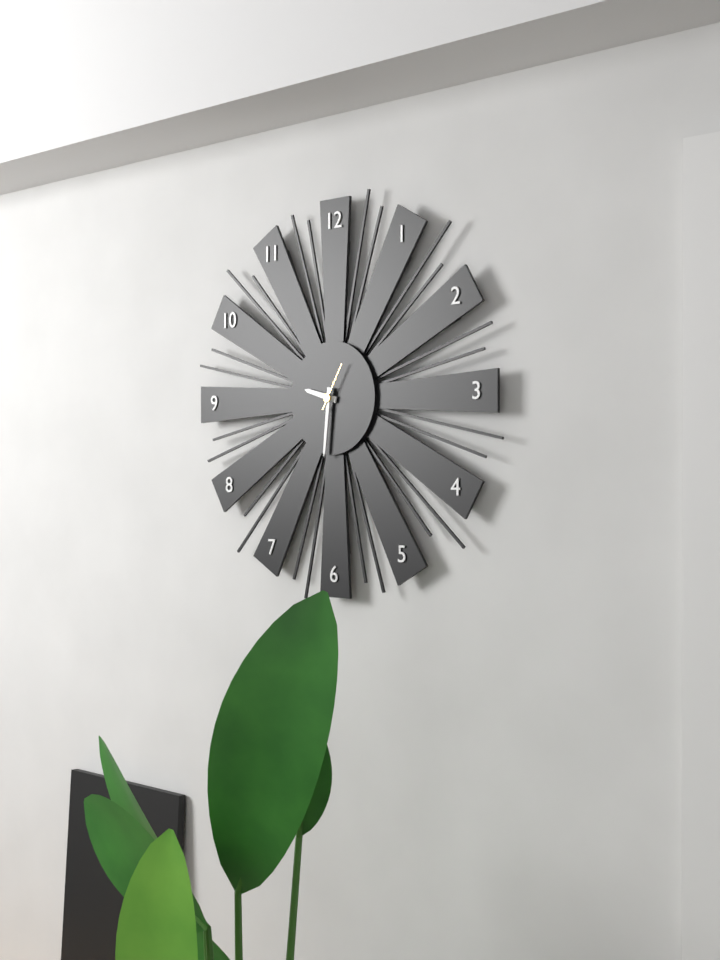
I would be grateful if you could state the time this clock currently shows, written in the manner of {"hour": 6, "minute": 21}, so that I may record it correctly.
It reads {"hour": 9, "minute": 31}
